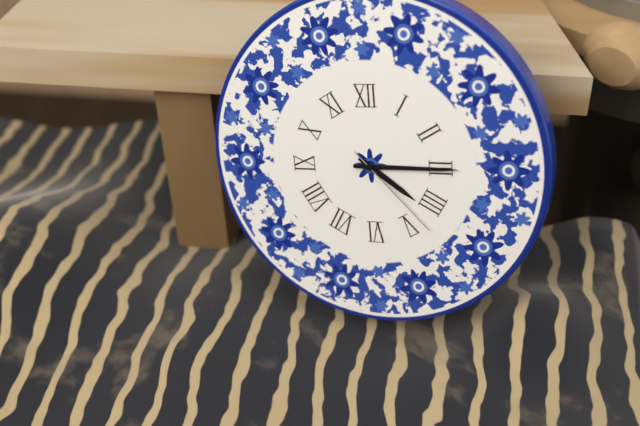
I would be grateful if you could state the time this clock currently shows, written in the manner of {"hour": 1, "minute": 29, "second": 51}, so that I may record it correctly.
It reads {"hour": 4, "minute": 15, "second": 23}
